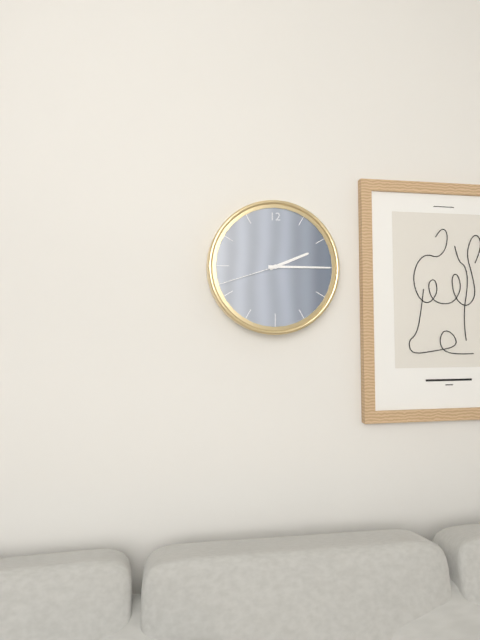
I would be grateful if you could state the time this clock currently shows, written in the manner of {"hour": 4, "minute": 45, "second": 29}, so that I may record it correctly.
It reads {"hour": 2, "minute": 15, "second": 42}
